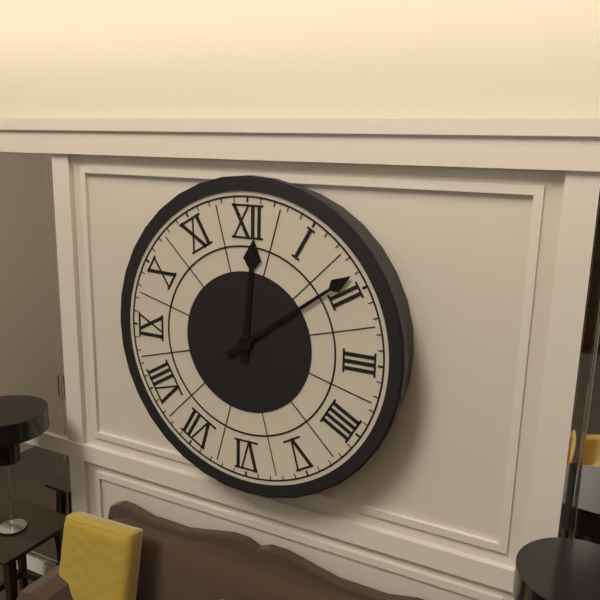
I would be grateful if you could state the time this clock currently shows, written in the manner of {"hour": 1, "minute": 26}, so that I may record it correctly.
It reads {"hour": 12, "minute": 9}
